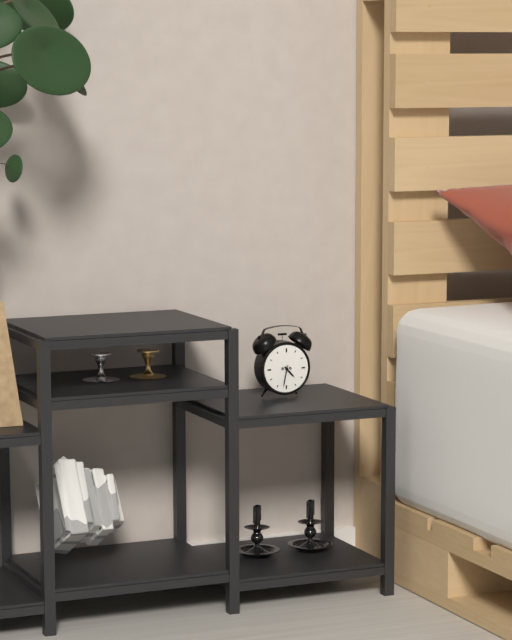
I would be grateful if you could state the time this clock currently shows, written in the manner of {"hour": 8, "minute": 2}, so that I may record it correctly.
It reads {"hour": 4, "minute": 32}
